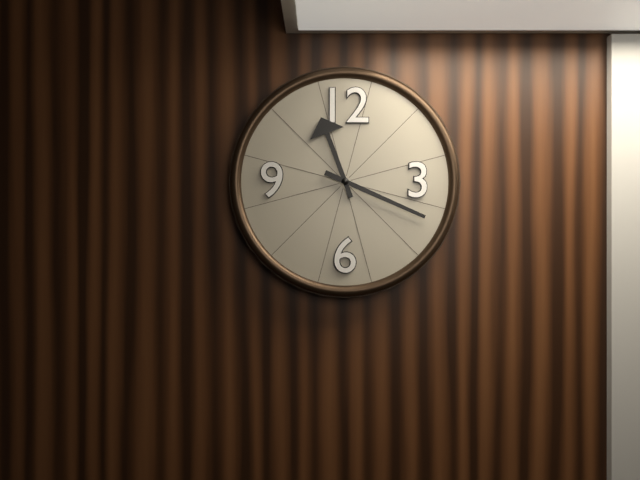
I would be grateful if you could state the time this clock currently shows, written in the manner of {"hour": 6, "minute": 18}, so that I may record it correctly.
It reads {"hour": 11, "minute": 19}
